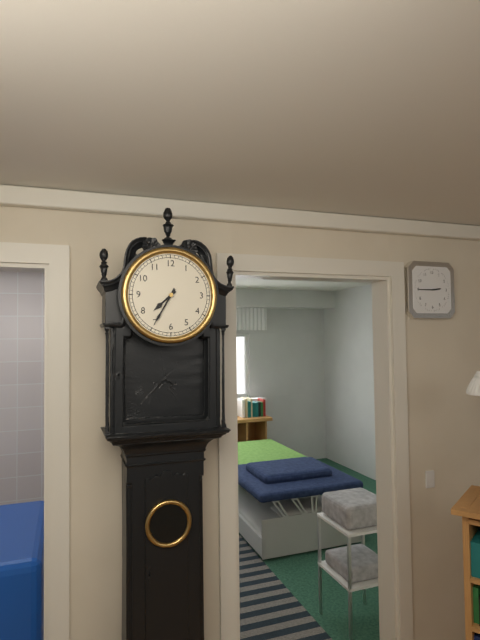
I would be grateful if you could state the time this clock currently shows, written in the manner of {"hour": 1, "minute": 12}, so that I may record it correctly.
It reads {"hour": 7, "minute": 35}
